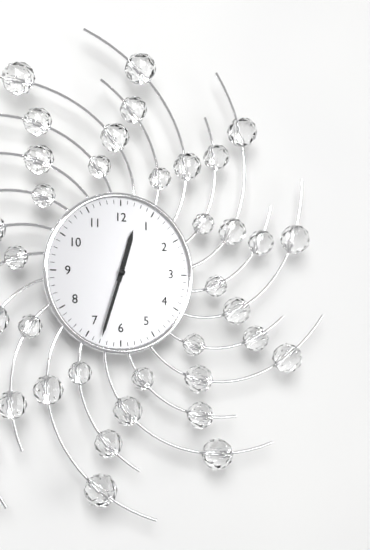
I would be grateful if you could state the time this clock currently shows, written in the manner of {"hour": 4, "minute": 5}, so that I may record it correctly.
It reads {"hour": 12, "minute": 33}
